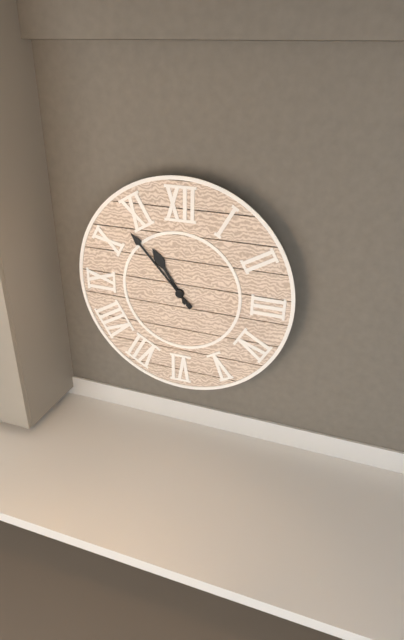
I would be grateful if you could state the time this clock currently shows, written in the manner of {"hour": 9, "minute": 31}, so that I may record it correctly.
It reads {"hour": 10, "minute": 53}
